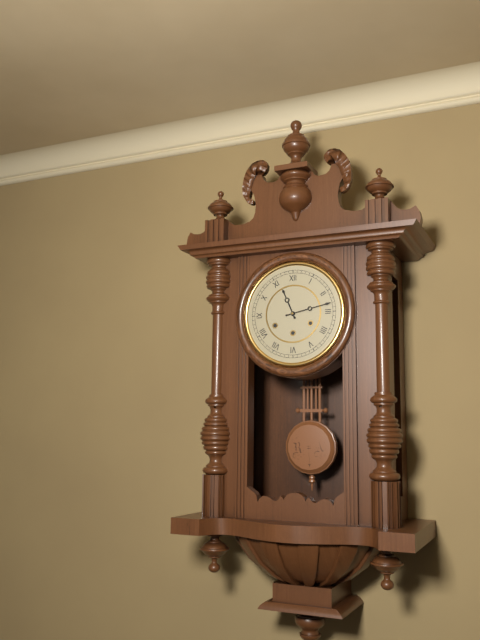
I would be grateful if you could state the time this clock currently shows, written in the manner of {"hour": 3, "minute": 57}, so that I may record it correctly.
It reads {"hour": 11, "minute": 13}
